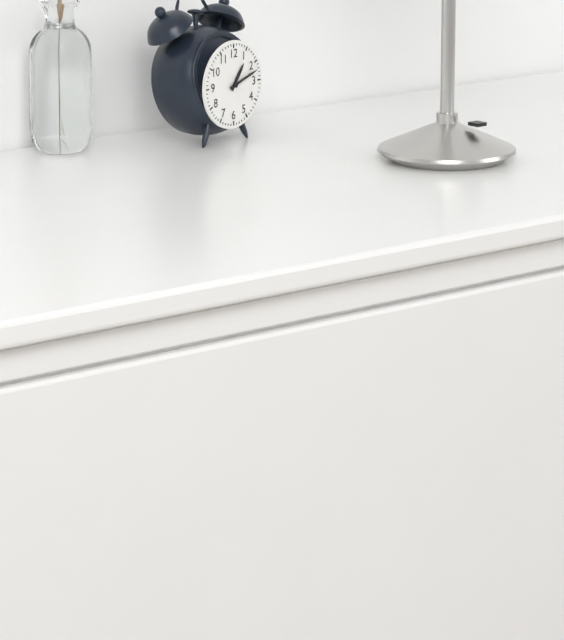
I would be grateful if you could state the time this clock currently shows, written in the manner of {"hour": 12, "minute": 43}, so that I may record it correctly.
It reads {"hour": 1, "minute": 12}
